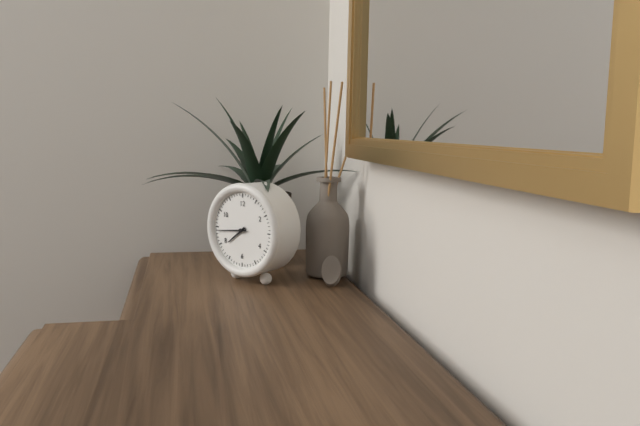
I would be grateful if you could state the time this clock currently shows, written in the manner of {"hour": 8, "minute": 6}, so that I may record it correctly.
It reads {"hour": 7, "minute": 44}
